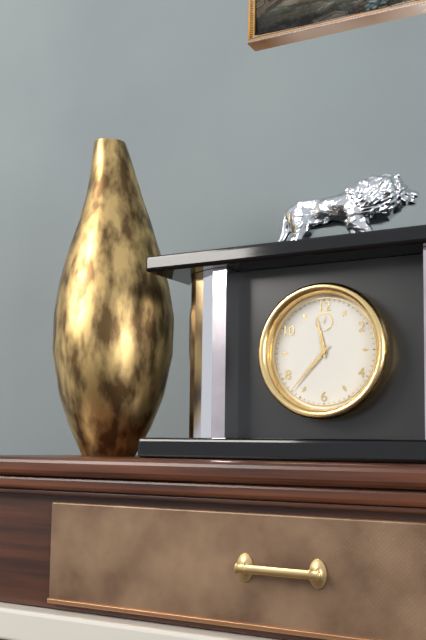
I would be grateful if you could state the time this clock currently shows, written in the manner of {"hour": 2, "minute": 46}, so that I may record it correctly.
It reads {"hour": 11, "minute": 37}
